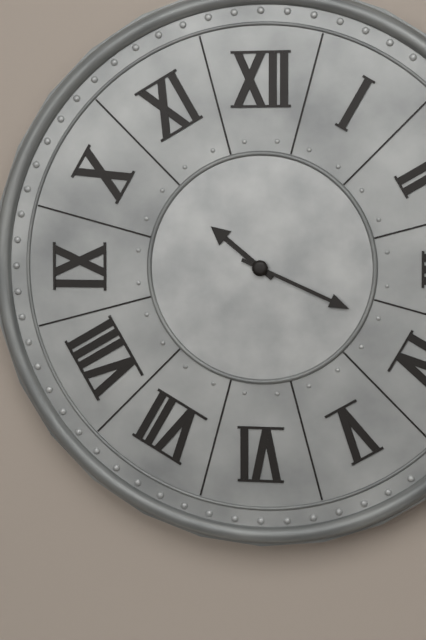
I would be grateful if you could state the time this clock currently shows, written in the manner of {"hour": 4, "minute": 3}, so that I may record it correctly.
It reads {"hour": 10, "minute": 19}
